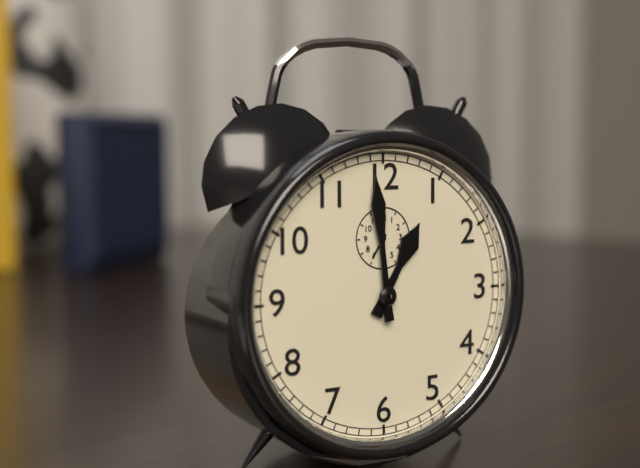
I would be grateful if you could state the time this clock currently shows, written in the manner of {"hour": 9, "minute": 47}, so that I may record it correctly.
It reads {"hour": 12, "minute": 59}
